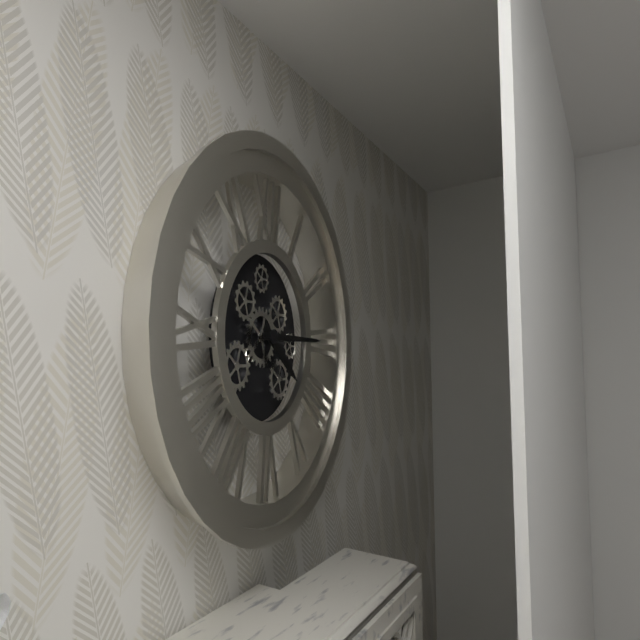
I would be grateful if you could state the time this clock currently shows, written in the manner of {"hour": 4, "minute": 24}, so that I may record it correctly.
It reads {"hour": 4, "minute": 15}
